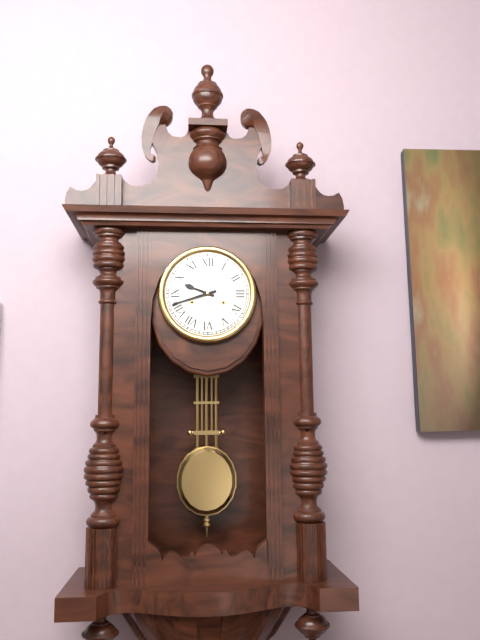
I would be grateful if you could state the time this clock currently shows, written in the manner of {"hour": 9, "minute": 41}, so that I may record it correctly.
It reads {"hour": 9, "minute": 42}
